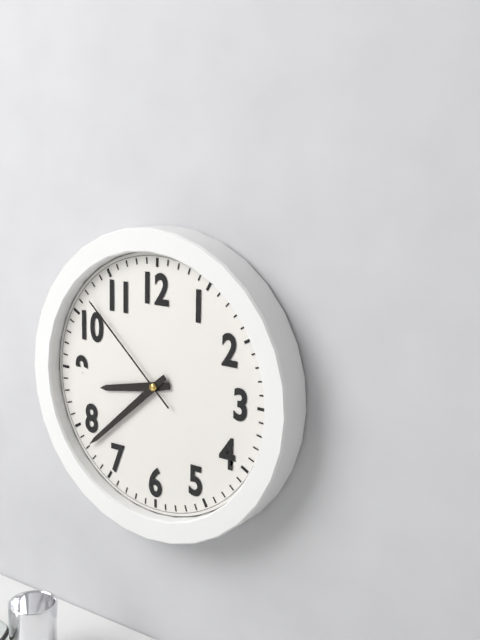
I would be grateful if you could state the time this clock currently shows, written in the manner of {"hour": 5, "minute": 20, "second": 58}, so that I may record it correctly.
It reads {"hour": 8, "minute": 38, "second": 52}
